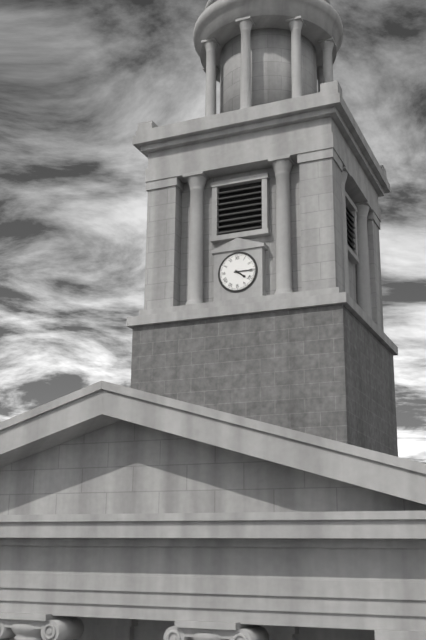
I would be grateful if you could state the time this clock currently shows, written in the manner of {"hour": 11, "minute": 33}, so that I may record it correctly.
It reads {"hour": 4, "minute": 15}
